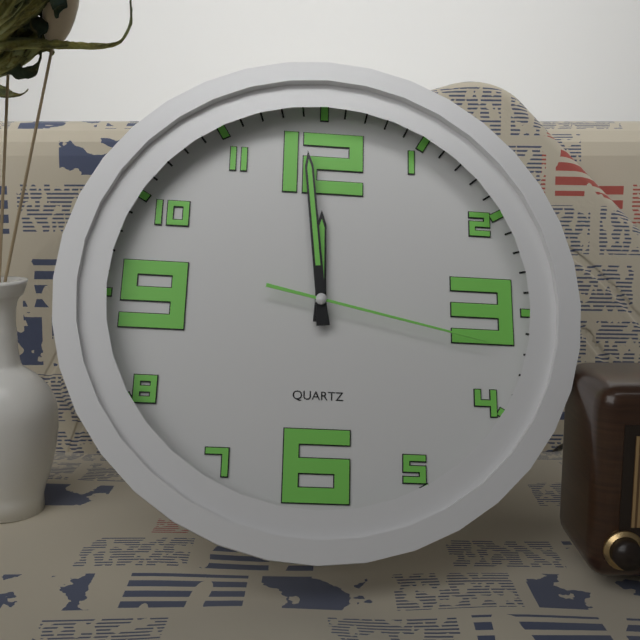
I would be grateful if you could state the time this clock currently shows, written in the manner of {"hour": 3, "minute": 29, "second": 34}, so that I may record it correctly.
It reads {"hour": 11, "minute": 59, "second": 17}
